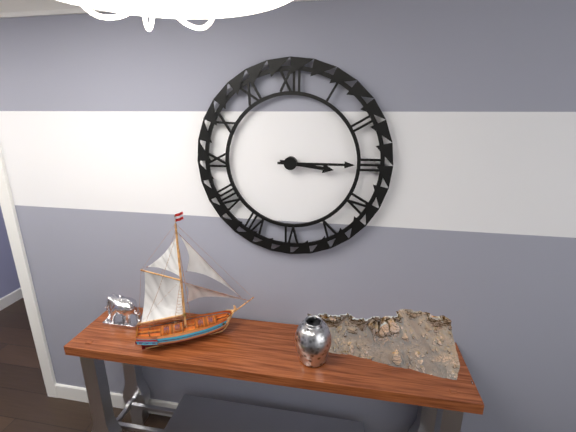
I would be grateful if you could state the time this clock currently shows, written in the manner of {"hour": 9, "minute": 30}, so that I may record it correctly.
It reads {"hour": 3, "minute": 15}
